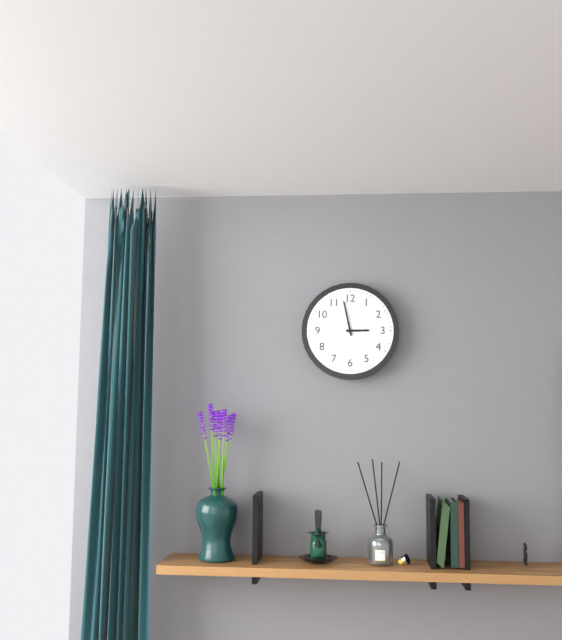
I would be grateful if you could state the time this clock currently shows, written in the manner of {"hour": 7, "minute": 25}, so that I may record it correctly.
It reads {"hour": 2, "minute": 58}
